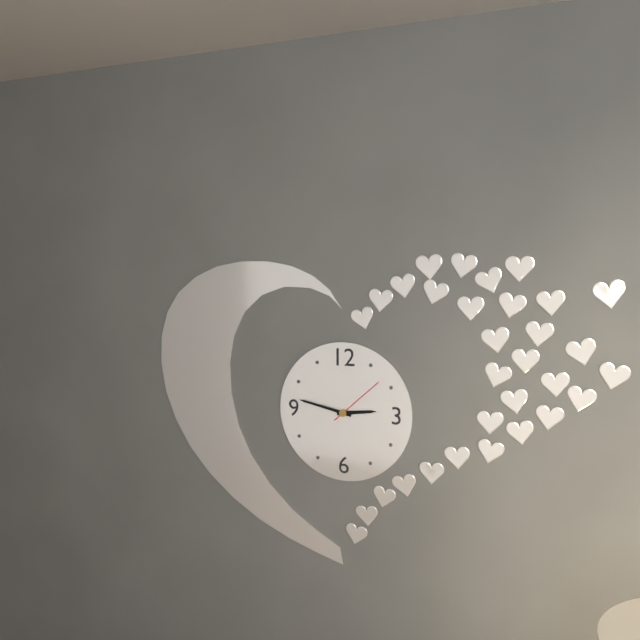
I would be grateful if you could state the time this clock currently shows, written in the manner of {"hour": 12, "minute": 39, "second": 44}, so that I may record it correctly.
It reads {"hour": 2, "minute": 47, "second": 8}
